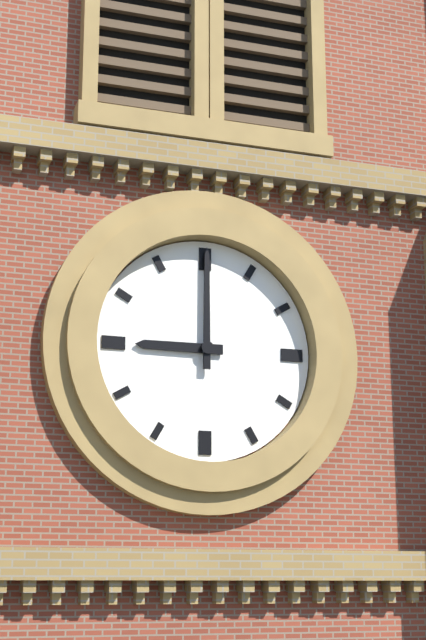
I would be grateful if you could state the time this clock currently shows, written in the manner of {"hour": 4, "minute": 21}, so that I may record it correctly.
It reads {"hour": 9, "minute": 0}
